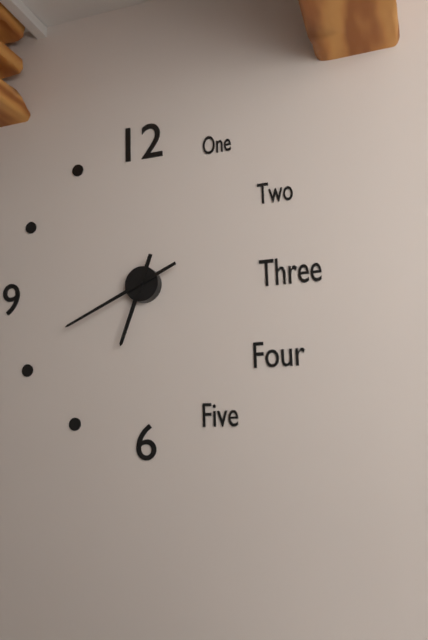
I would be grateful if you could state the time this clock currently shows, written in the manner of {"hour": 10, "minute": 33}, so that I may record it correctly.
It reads {"hour": 6, "minute": 41}
